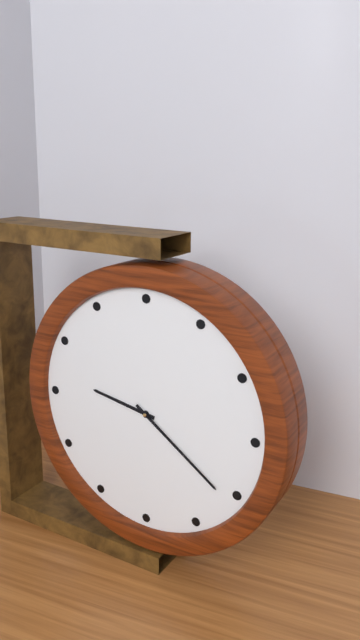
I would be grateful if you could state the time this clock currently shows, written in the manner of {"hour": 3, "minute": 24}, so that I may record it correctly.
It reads {"hour": 9, "minute": 21}
